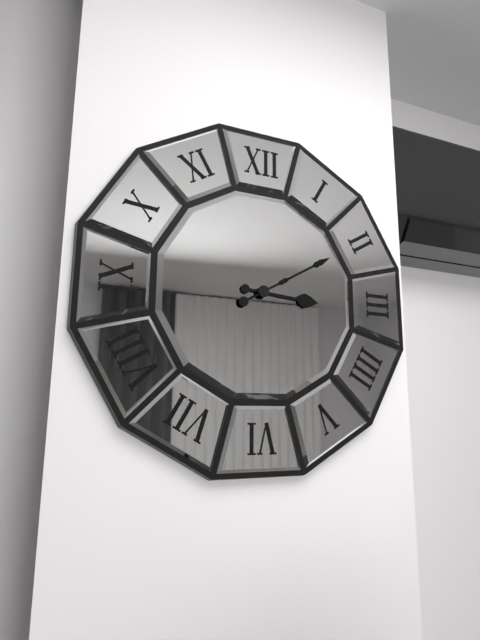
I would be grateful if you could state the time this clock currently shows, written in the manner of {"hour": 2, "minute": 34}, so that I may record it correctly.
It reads {"hour": 3, "minute": 10}
